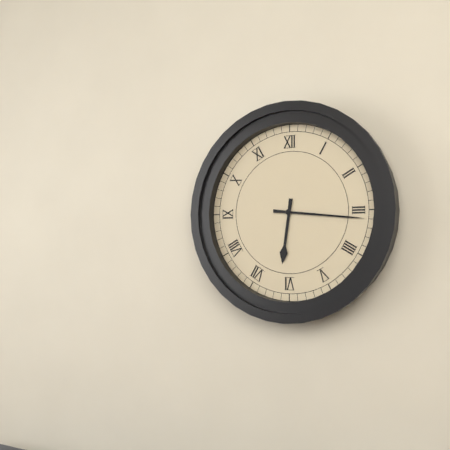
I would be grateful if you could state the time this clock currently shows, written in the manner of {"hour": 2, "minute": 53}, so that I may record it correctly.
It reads {"hour": 6, "minute": 16}
